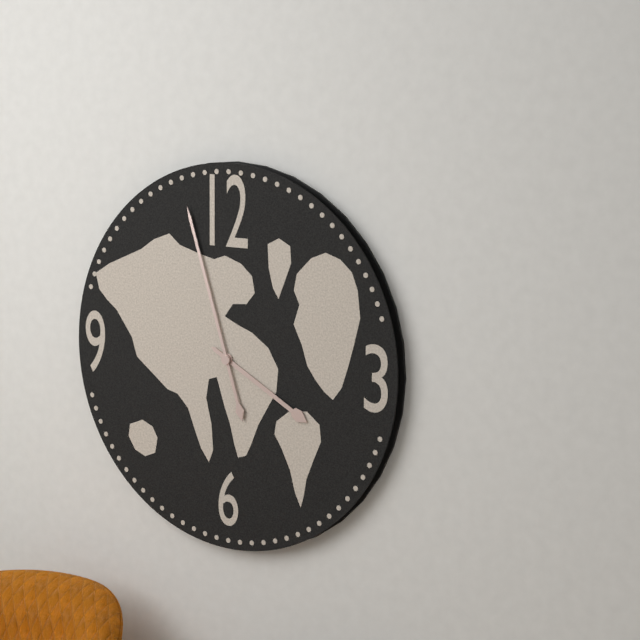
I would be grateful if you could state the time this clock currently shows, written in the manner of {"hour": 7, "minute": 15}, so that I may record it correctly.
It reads {"hour": 3, "minute": 57}
